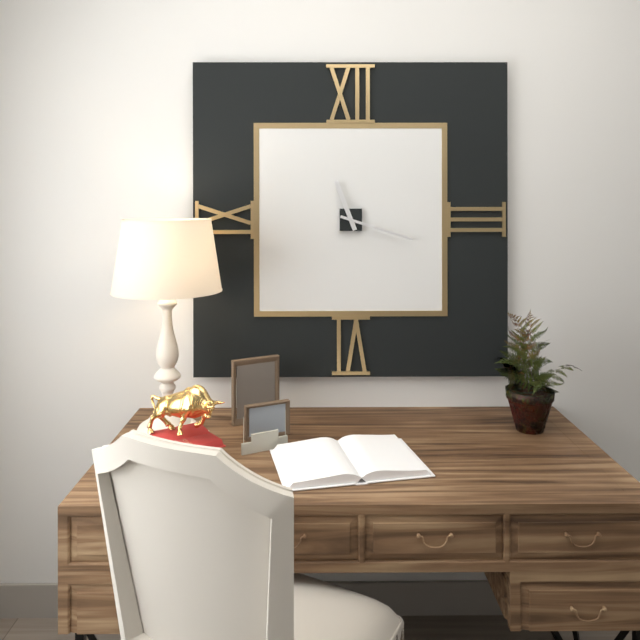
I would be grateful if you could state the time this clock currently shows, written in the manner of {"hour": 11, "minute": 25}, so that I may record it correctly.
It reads {"hour": 11, "minute": 18}
